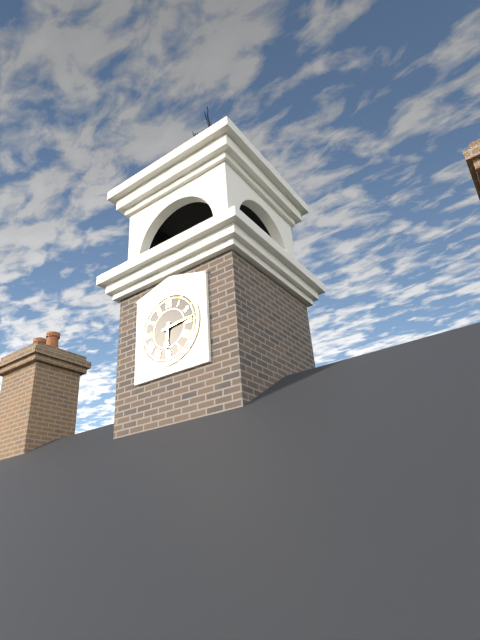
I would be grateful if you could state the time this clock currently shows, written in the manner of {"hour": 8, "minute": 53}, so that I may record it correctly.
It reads {"hour": 6, "minute": 14}
